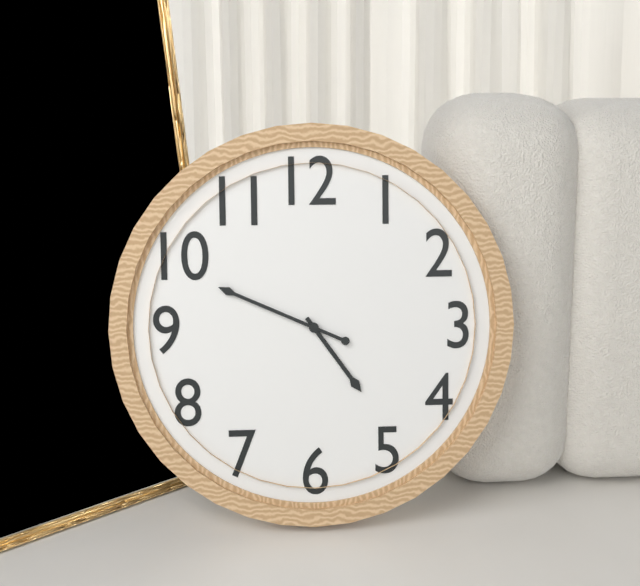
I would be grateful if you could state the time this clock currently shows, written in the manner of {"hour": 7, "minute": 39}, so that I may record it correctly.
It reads {"hour": 4, "minute": 49}
